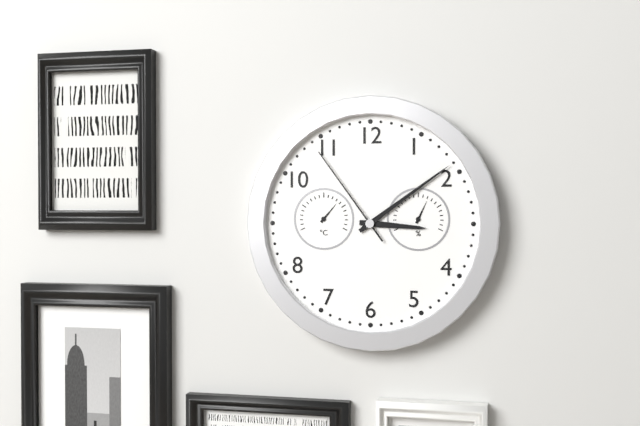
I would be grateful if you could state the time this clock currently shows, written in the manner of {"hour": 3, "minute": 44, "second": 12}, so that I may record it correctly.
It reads {"hour": 3, "minute": 9, "second": 54}
